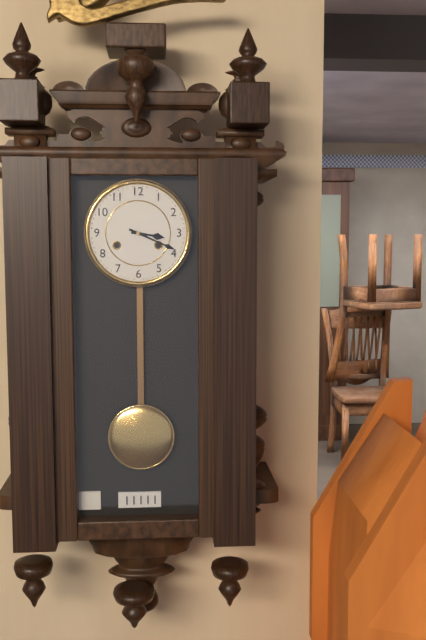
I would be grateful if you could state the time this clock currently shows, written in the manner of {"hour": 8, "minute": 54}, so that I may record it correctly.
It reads {"hour": 3, "minute": 19}
